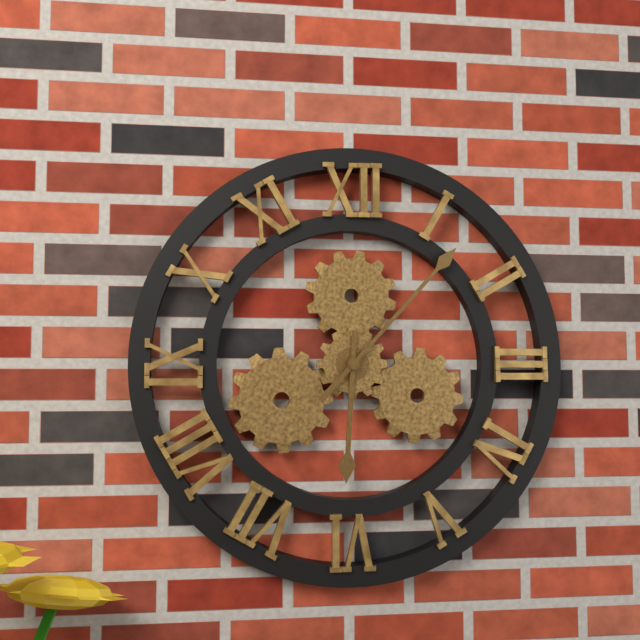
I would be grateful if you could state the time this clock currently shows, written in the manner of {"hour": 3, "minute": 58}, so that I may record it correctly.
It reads {"hour": 6, "minute": 7}
